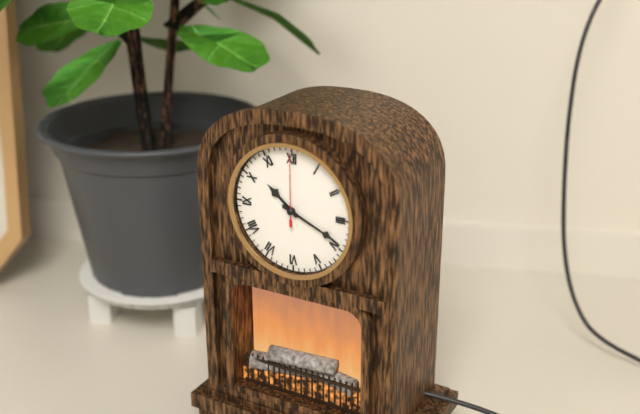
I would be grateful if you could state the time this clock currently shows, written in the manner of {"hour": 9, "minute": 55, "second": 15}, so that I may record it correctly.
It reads {"hour": 10, "minute": 19, "second": 0}
